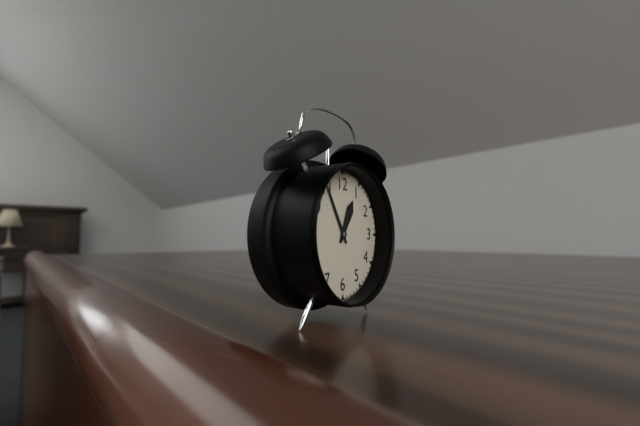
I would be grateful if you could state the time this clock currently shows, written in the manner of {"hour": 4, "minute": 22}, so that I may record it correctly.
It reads {"hour": 12, "minute": 55}
